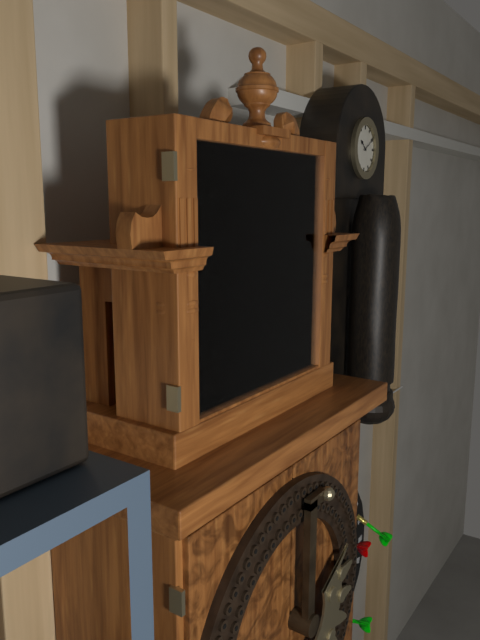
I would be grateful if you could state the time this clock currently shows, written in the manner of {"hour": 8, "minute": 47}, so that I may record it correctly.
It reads {"hour": 1, "minute": 44}
